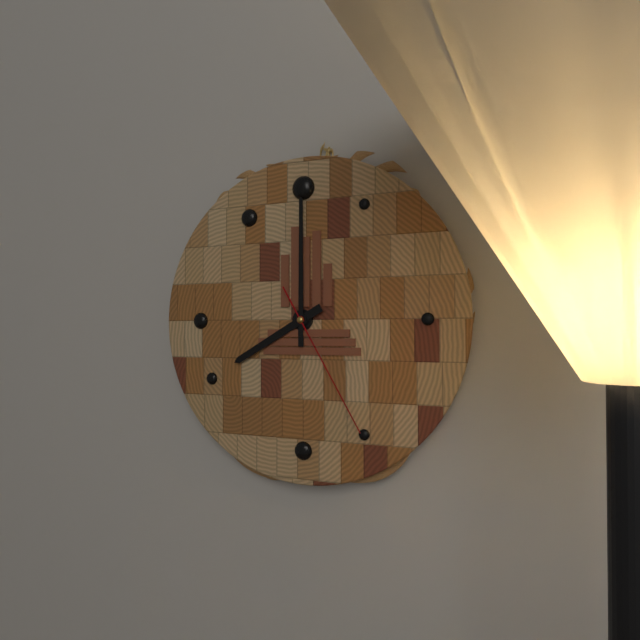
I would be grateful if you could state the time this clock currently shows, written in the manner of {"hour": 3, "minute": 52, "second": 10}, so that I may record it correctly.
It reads {"hour": 8, "minute": 0, "second": 25}
